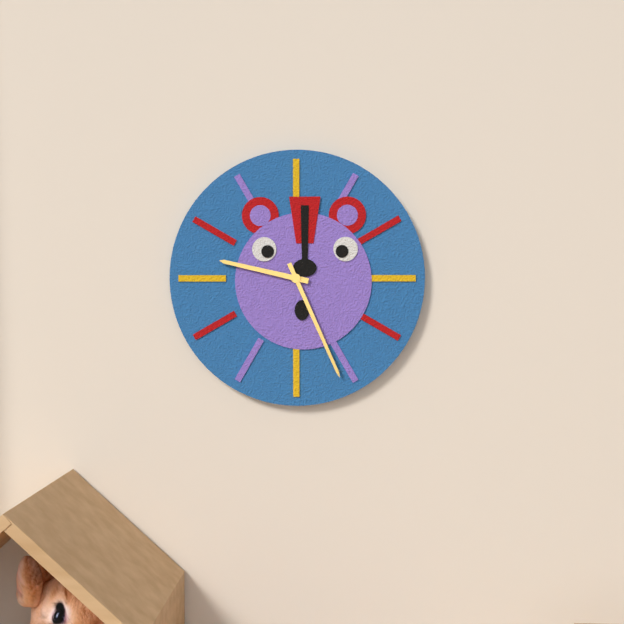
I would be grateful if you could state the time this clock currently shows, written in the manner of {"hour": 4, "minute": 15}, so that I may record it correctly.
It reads {"hour": 9, "minute": 26}
